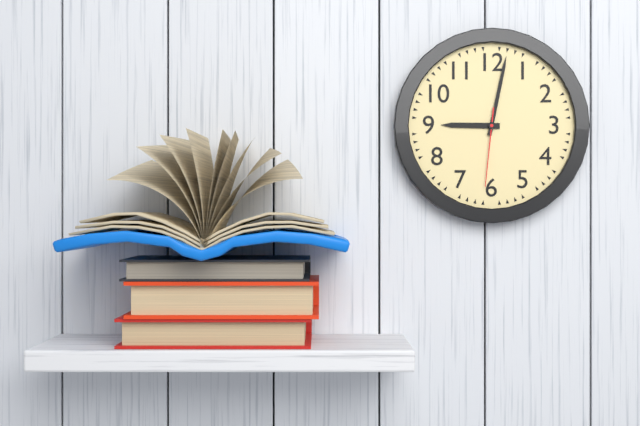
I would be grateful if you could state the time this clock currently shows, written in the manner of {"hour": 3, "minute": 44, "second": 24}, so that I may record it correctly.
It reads {"hour": 9, "minute": 2, "second": 31}
